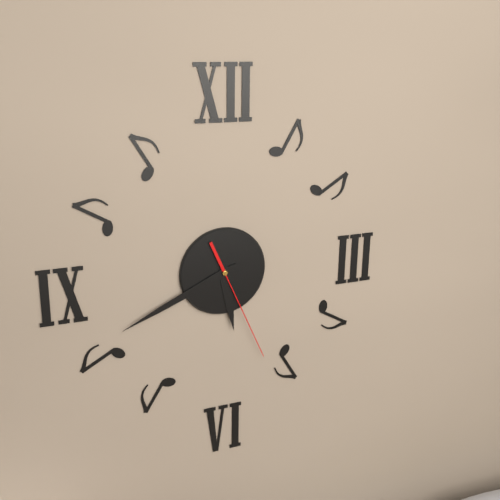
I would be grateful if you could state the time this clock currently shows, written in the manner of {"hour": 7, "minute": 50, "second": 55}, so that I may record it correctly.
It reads {"hour": 5, "minute": 41, "second": 26}
